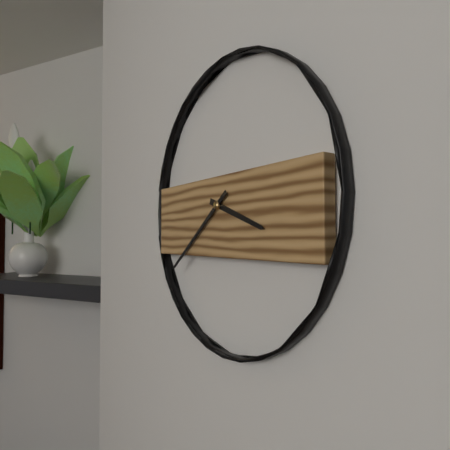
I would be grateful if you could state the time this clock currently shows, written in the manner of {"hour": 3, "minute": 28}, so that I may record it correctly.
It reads {"hour": 3, "minute": 39}
